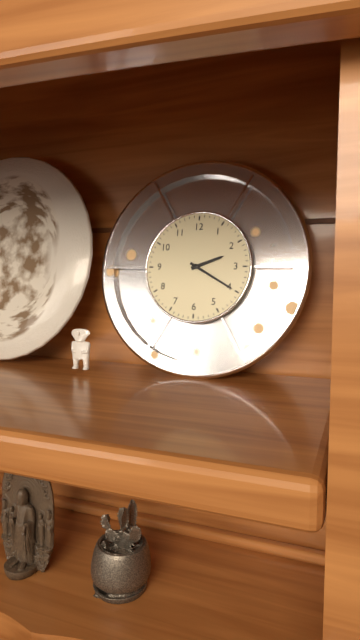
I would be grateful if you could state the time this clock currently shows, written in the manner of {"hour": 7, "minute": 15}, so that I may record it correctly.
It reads {"hour": 2, "minute": 20}
